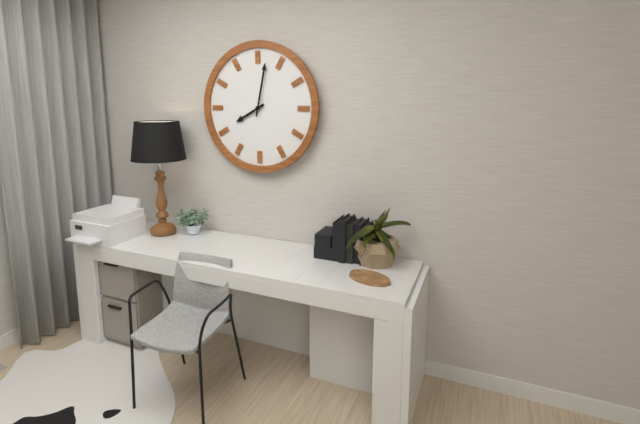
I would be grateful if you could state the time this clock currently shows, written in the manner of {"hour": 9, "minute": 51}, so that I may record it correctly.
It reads {"hour": 8, "minute": 2}
